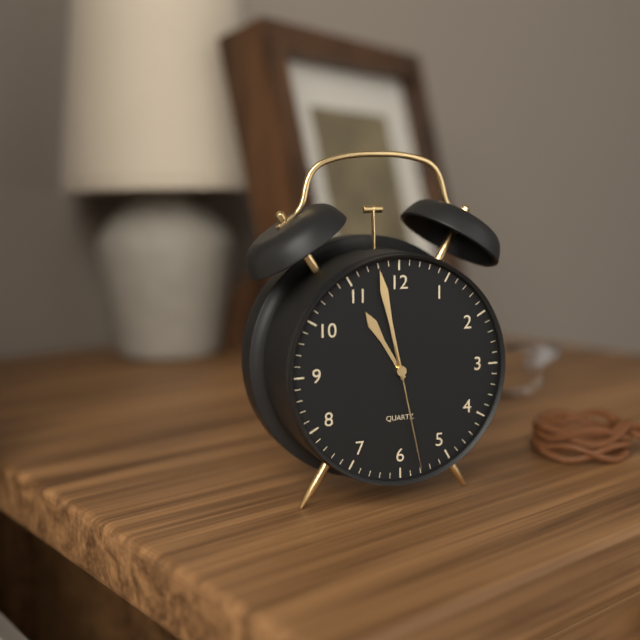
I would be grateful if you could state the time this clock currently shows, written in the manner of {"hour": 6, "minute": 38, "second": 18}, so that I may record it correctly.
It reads {"hour": 10, "minute": 58, "second": 28}
